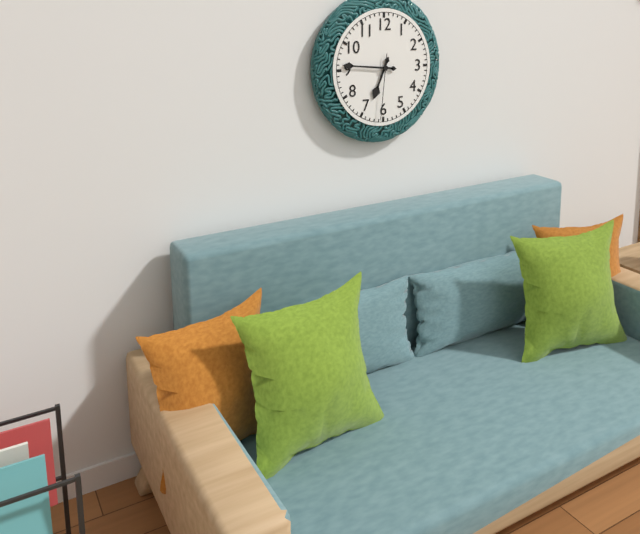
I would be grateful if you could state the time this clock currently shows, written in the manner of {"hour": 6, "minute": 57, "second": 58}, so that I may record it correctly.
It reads {"hour": 6, "minute": 46, "second": 31}
